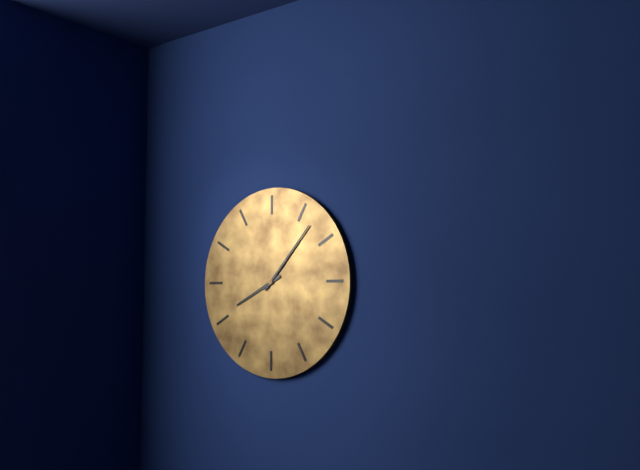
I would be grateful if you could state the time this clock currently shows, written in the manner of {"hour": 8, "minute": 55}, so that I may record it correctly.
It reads {"hour": 8, "minute": 7}
